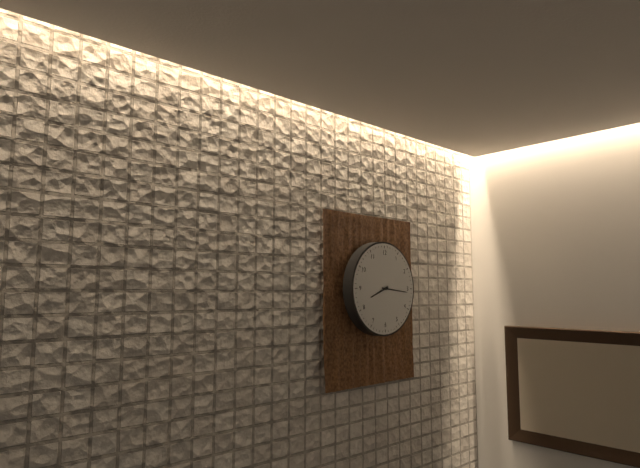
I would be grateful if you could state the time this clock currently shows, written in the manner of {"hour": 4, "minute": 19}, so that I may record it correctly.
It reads {"hour": 8, "minute": 16}
